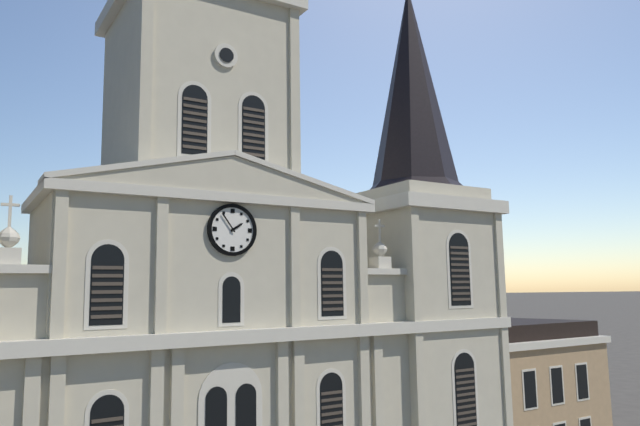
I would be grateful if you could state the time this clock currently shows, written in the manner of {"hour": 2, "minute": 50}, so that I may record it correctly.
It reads {"hour": 1, "minute": 54}
